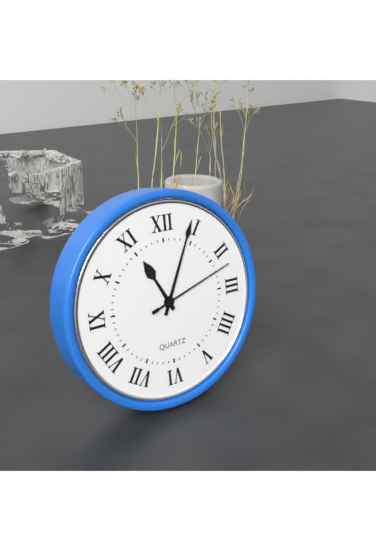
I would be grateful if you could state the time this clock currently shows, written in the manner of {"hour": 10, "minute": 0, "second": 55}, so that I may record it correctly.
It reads {"hour": 11, "minute": 4, "second": 12}
